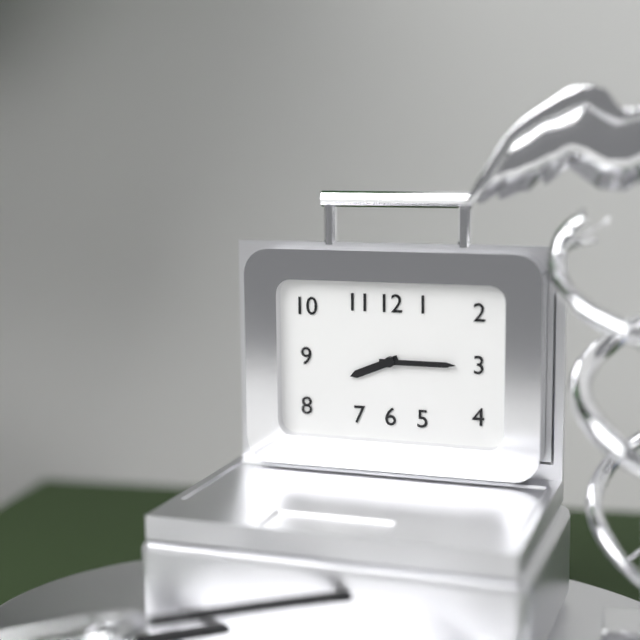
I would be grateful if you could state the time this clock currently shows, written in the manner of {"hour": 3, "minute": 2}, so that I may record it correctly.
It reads {"hour": 8, "minute": 15}
